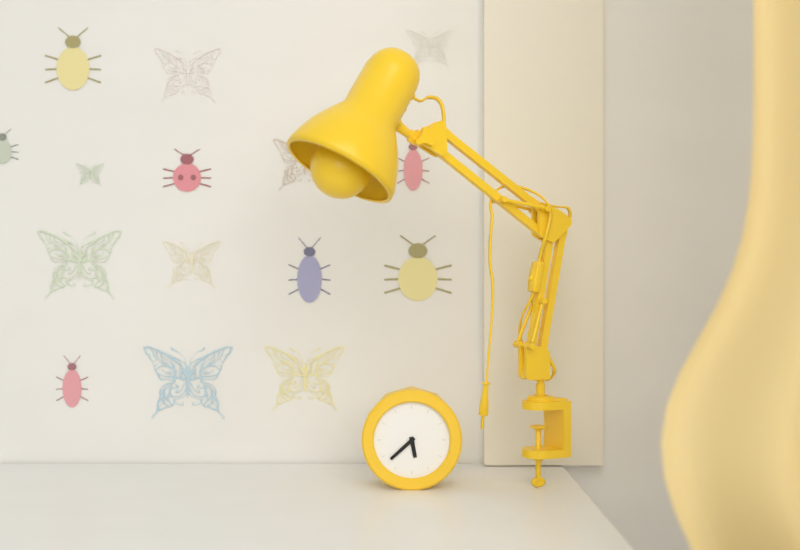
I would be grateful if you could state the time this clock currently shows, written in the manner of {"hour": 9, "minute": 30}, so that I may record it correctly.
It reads {"hour": 5, "minute": 38}
